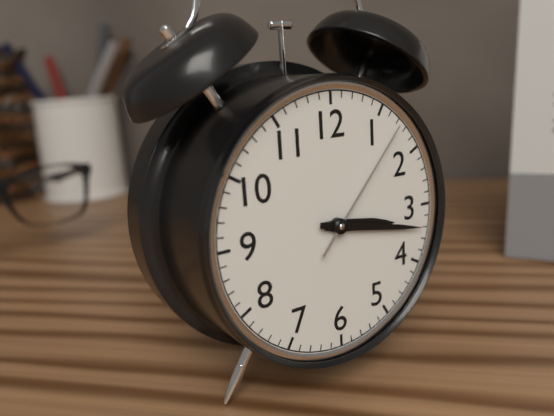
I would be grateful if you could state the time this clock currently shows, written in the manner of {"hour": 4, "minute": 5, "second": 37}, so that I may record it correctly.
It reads {"hour": 3, "minute": 17, "second": 7}
